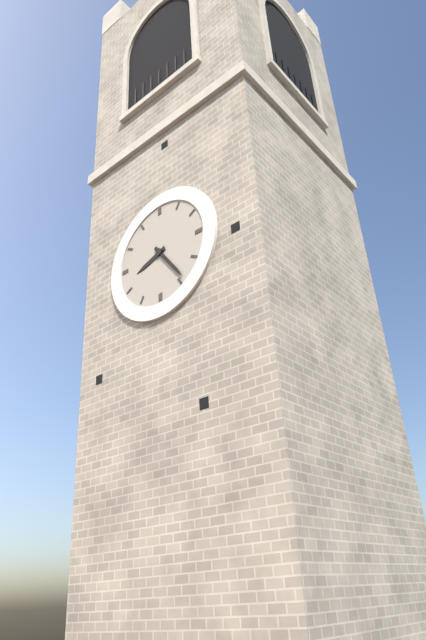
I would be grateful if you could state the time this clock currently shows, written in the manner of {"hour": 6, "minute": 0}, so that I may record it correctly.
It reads {"hour": 8, "minute": 24}
